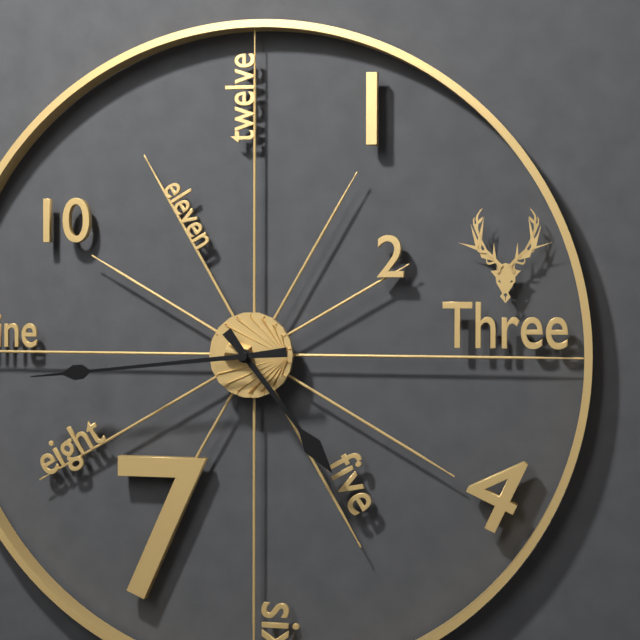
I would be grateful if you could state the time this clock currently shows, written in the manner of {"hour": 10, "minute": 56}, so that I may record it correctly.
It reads {"hour": 4, "minute": 44}
